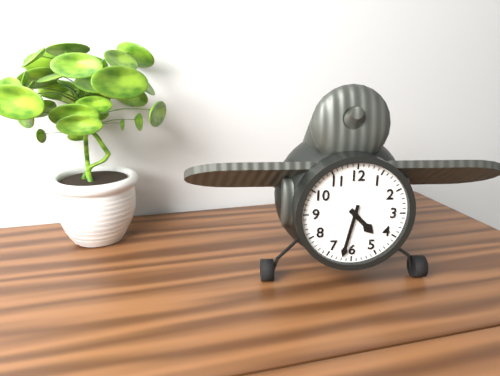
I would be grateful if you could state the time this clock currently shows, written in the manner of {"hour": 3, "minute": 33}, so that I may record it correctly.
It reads {"hour": 4, "minute": 32}
